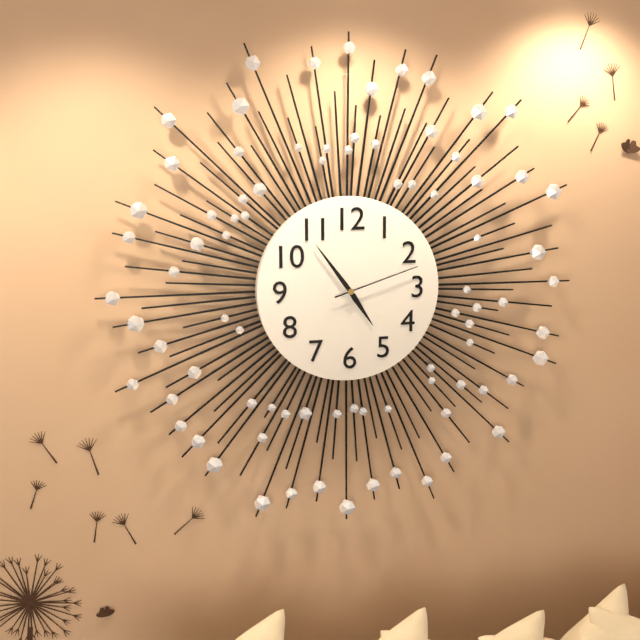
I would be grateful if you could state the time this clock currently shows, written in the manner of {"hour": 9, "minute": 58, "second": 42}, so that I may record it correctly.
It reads {"hour": 4, "minute": 54, "second": 12}
